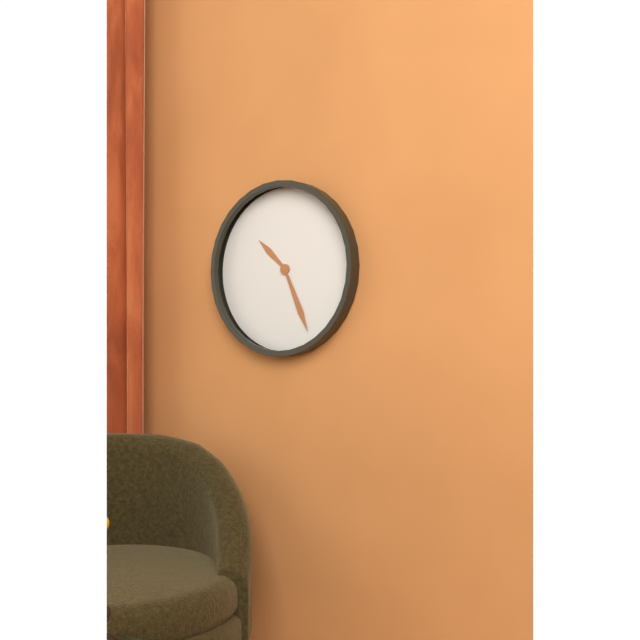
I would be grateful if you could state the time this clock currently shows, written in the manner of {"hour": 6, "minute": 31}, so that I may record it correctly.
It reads {"hour": 10, "minute": 26}
